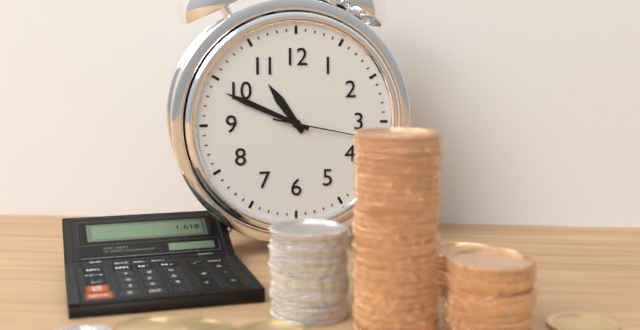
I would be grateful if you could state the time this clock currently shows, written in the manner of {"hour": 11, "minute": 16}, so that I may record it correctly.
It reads {"hour": 10, "minute": 49}
